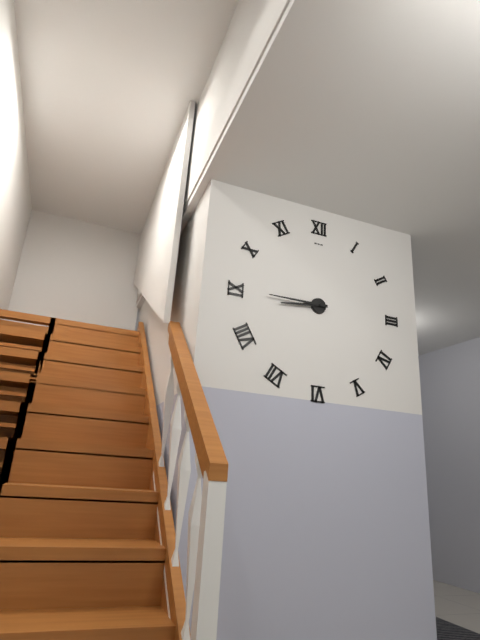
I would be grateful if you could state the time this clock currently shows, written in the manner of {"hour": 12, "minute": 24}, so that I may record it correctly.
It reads {"hour": 8, "minute": 45}
